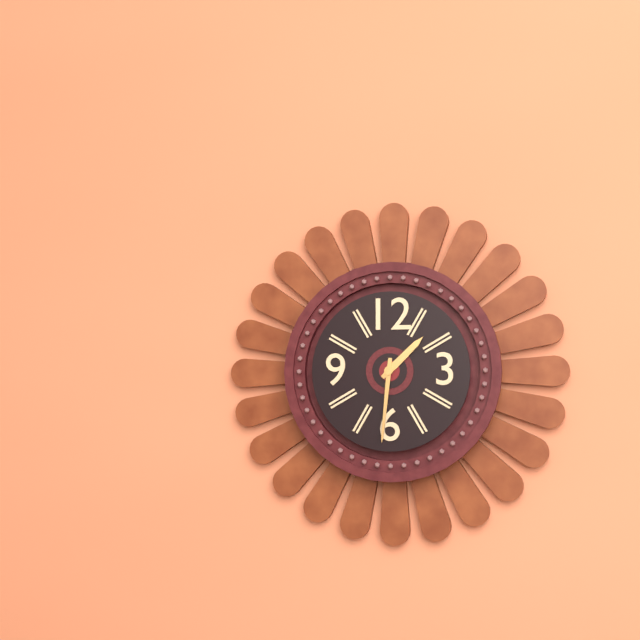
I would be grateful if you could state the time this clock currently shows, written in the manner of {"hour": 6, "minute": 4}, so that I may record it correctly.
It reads {"hour": 1, "minute": 31}
